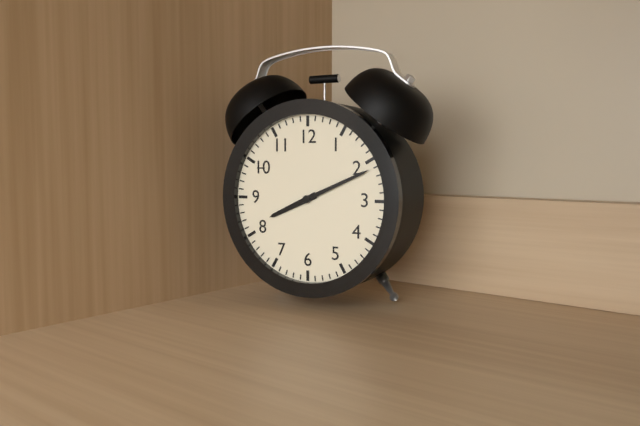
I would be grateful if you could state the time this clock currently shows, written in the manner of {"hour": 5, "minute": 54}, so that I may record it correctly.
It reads {"hour": 8, "minute": 11}
